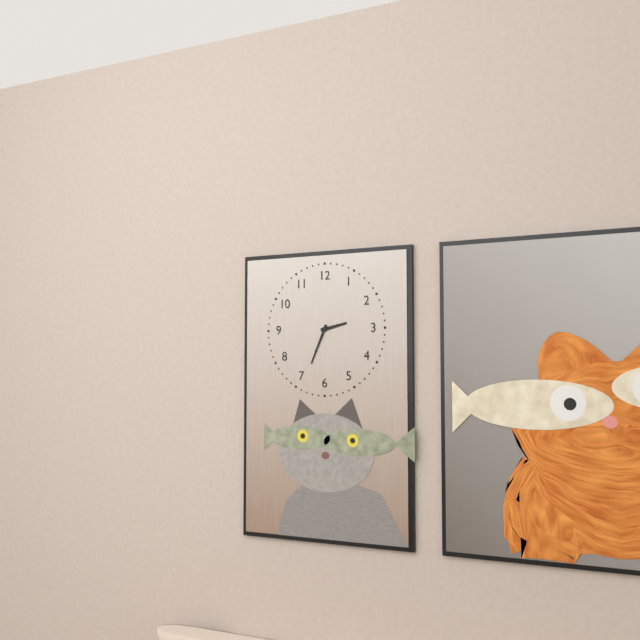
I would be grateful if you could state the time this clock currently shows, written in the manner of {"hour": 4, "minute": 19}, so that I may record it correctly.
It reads {"hour": 2, "minute": 34}
